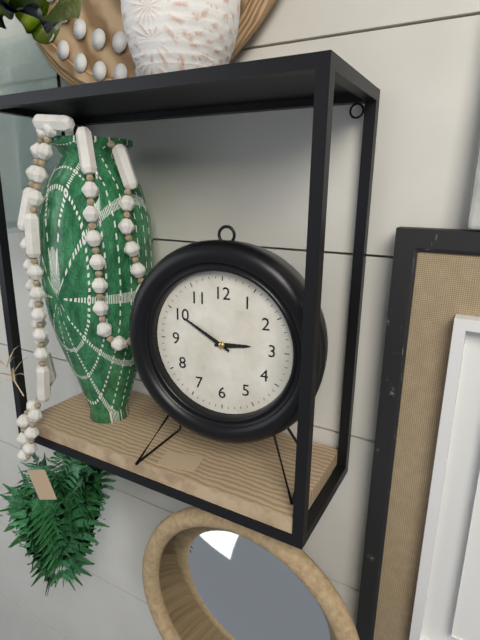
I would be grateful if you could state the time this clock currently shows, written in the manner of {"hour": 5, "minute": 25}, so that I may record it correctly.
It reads {"hour": 2, "minute": 50}
